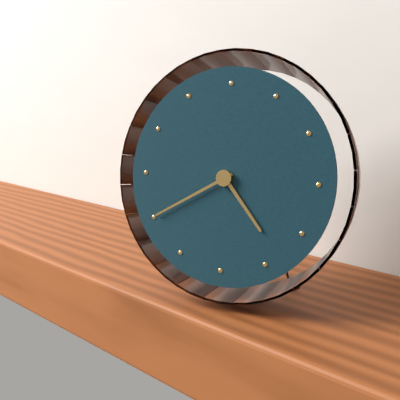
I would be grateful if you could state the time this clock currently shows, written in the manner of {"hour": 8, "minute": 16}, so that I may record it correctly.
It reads {"hour": 4, "minute": 40}
